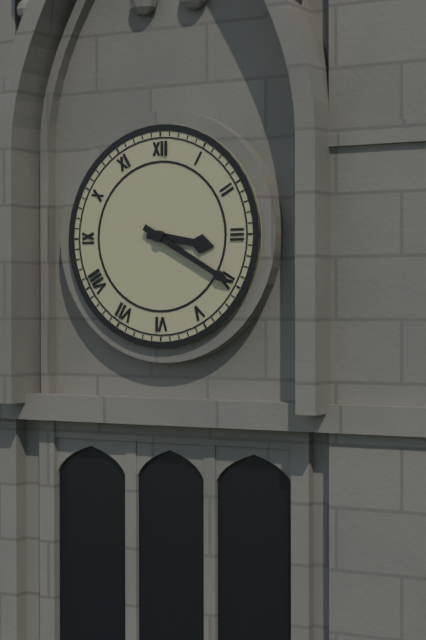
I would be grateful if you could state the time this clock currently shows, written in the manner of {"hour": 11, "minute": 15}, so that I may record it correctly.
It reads {"hour": 3, "minute": 20}
